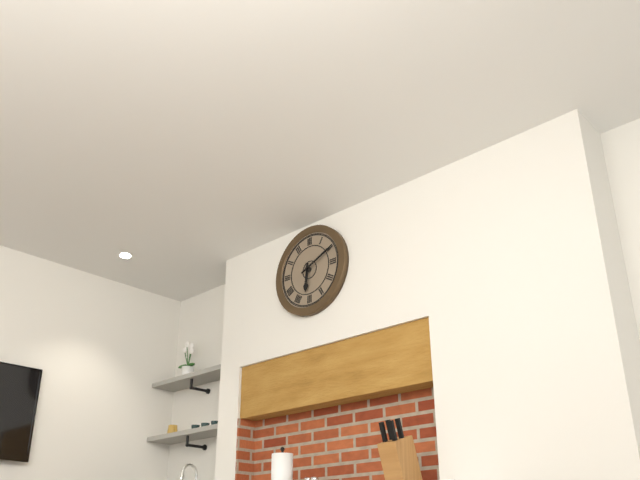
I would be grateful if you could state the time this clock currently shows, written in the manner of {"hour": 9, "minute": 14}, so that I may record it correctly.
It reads {"hour": 6, "minute": 11}
